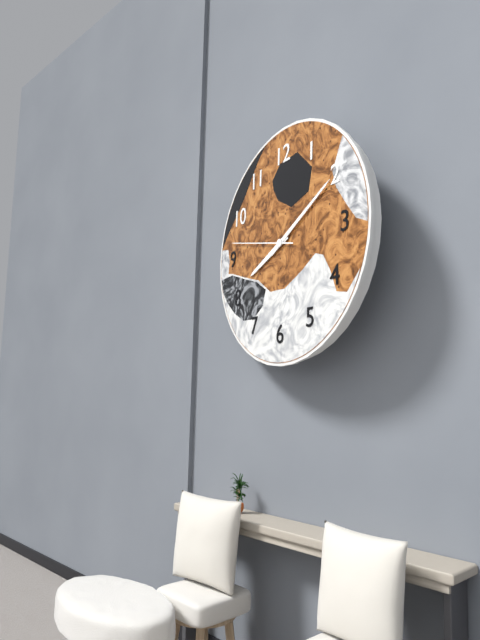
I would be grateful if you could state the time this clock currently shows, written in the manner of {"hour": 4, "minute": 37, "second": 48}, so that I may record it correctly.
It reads {"hour": 8, "minute": 10, "second": 47}
